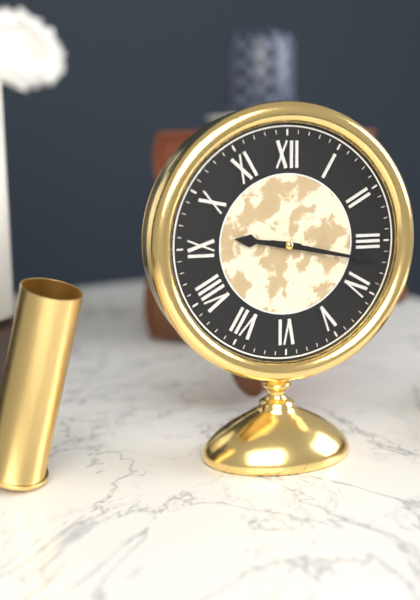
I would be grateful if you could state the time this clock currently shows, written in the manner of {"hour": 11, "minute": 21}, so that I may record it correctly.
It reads {"hour": 9, "minute": 17}
